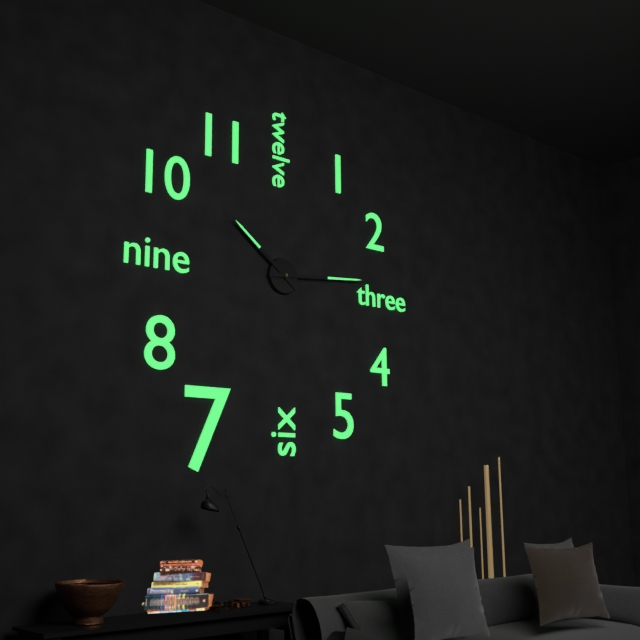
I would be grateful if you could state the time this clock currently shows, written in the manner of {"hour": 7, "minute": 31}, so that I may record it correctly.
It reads {"hour": 10, "minute": 14}
